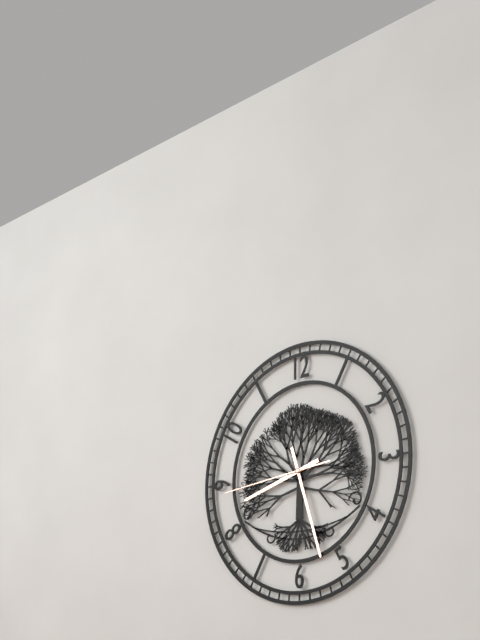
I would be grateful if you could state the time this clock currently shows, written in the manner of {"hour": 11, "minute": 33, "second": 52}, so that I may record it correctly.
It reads {"hour": 8, "minute": 27, "second": 44}
